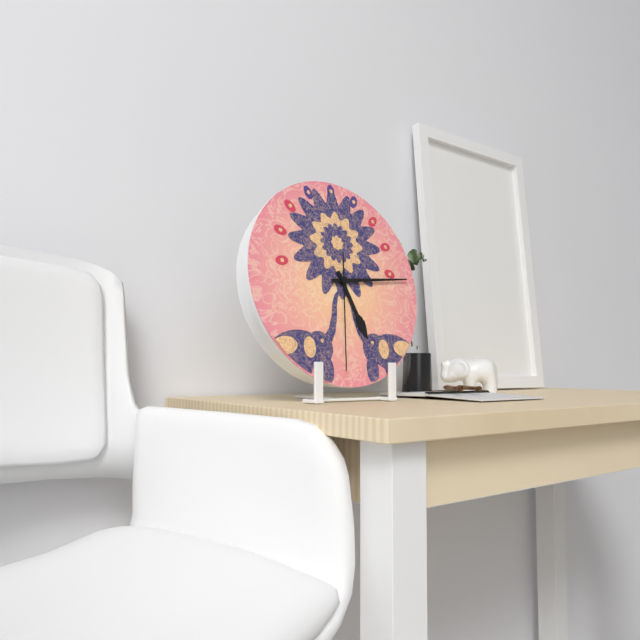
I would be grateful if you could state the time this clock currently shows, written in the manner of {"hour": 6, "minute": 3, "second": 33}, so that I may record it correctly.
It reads {"hour": 5, "minute": 14, "second": 31}
